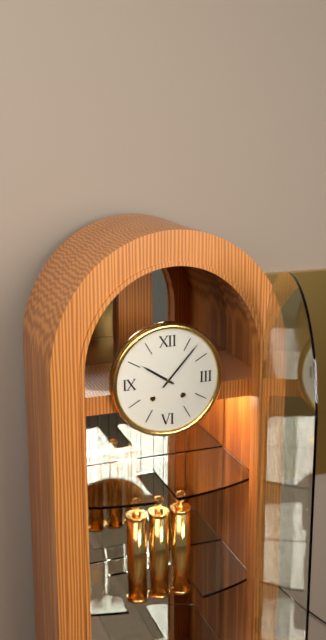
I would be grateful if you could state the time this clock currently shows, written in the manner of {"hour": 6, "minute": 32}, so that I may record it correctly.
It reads {"hour": 10, "minute": 7}
